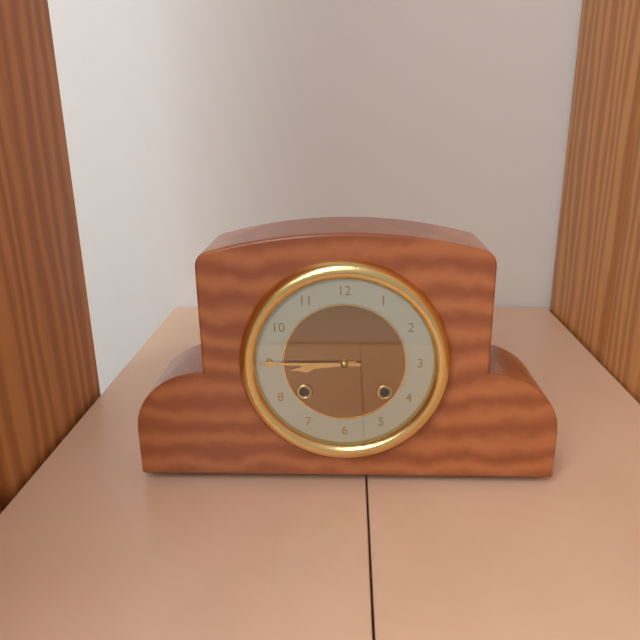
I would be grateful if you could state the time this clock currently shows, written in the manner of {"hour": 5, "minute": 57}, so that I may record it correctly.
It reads {"hour": 8, "minute": 45}
